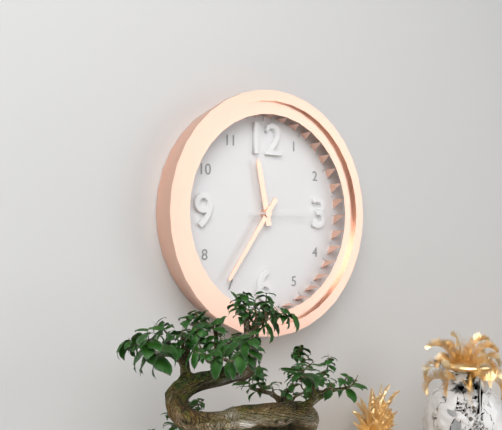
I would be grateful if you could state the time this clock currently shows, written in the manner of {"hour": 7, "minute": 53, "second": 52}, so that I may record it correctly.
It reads {"hour": 11, "minute": 36, "second": 15}
